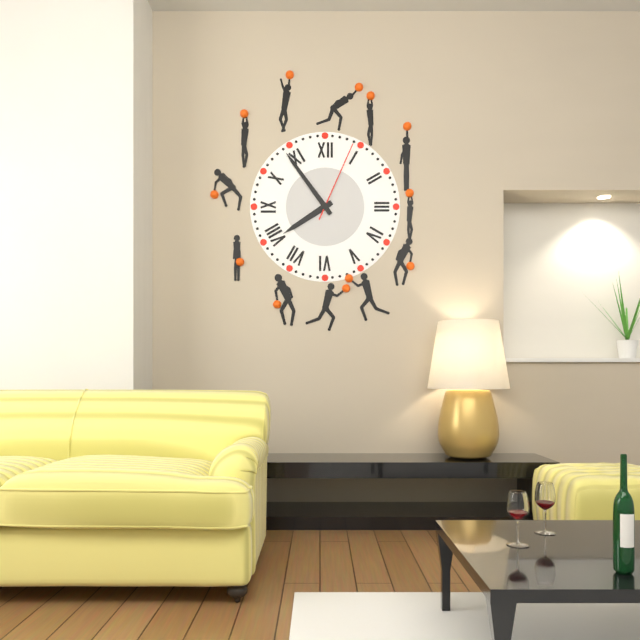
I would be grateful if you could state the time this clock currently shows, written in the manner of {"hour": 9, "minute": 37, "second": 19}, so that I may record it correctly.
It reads {"hour": 7, "minute": 54, "second": 4}
